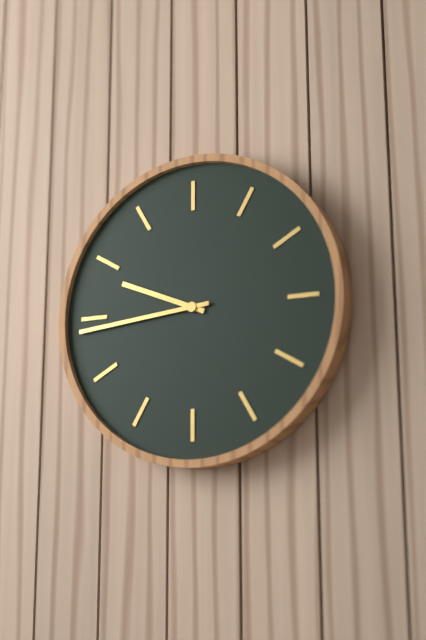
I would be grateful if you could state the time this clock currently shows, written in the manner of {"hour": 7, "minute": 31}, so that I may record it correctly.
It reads {"hour": 9, "minute": 44}
